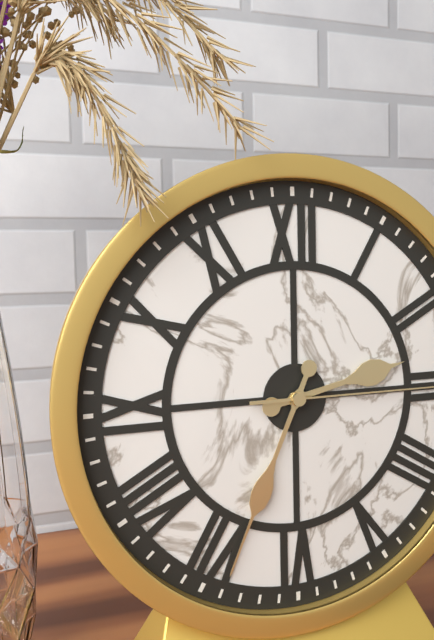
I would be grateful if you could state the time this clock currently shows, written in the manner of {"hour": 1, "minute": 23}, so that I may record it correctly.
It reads {"hour": 2, "minute": 34}
